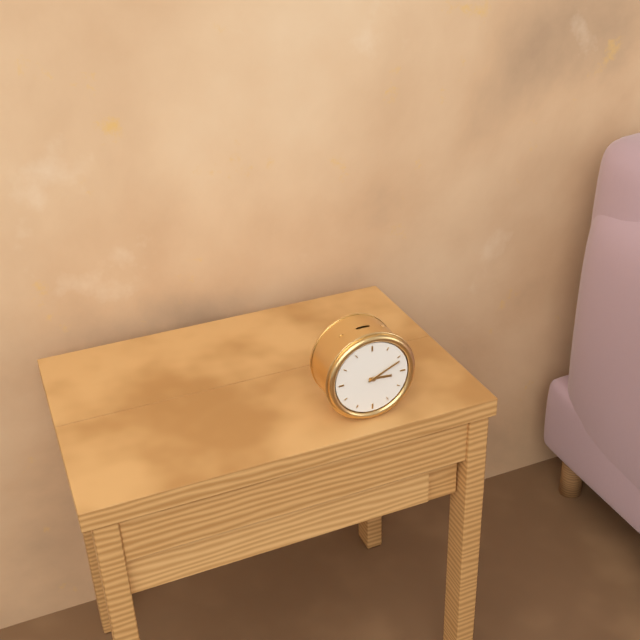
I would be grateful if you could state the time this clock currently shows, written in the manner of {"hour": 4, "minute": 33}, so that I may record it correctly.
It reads {"hour": 3, "minute": 11}
